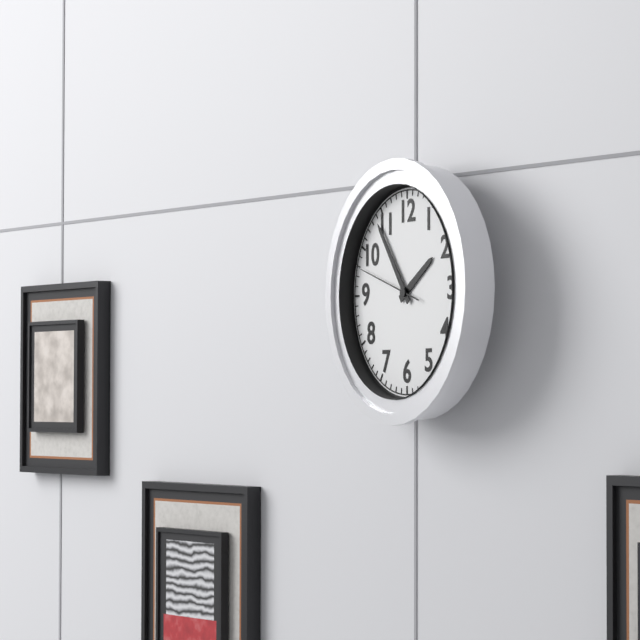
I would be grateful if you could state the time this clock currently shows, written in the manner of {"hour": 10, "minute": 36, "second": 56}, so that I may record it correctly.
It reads {"hour": 1, "minute": 54, "second": 48}
